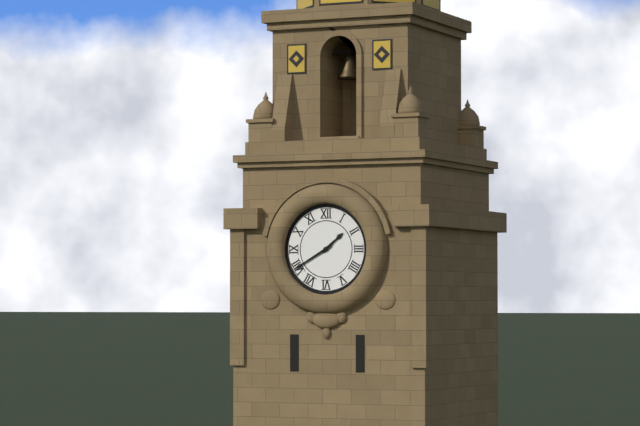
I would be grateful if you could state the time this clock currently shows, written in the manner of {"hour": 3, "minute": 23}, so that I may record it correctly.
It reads {"hour": 1, "minute": 40}
